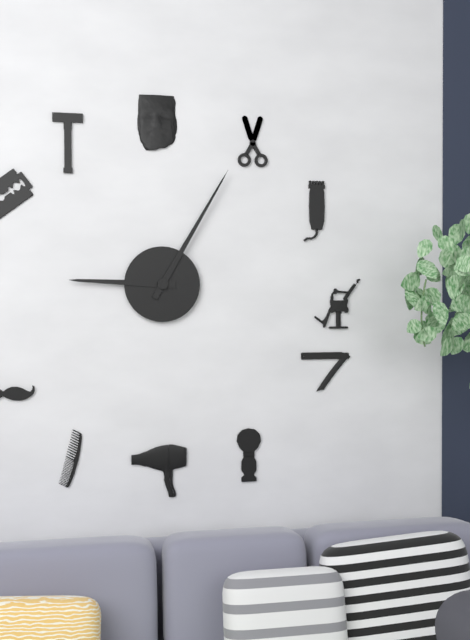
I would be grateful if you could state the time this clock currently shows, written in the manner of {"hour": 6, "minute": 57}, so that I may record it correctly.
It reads {"hour": 9, "minute": 5}
